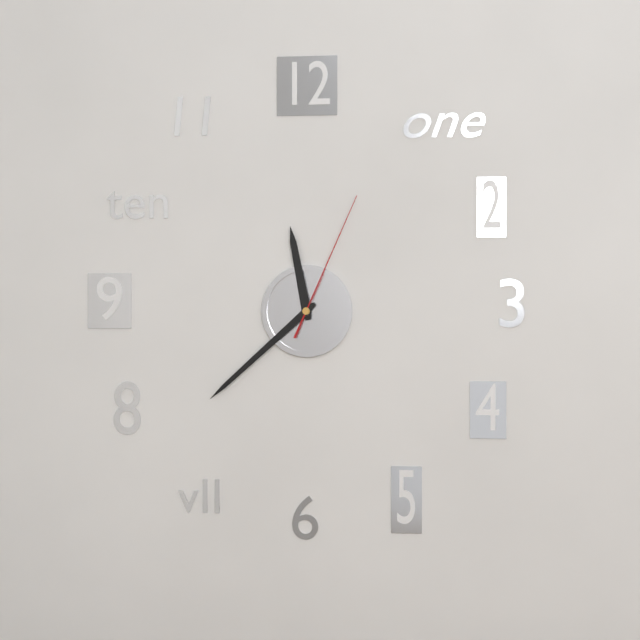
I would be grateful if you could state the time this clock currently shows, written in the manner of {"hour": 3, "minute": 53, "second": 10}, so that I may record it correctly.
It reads {"hour": 11, "minute": 38, "second": 4}
